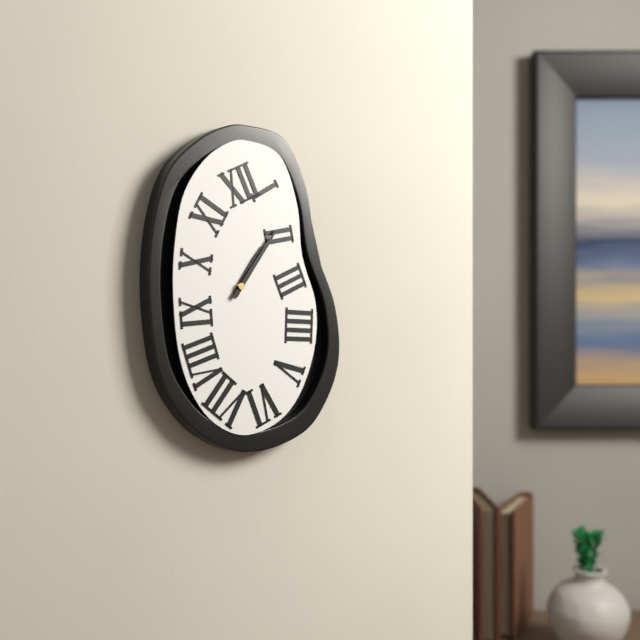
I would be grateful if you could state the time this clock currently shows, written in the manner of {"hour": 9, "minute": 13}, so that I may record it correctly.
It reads {"hour": 1, "minute": 6}
